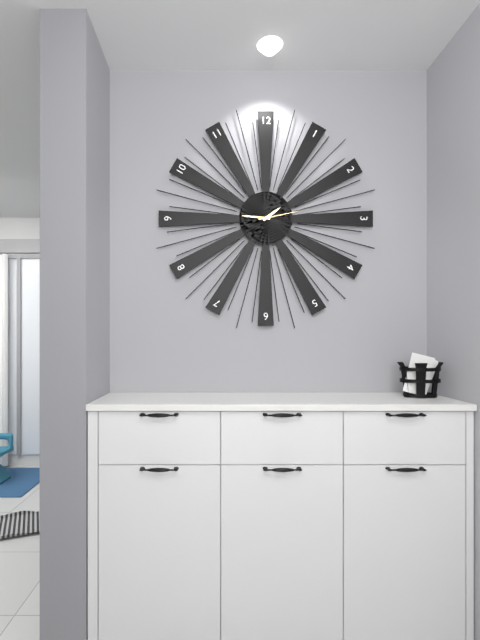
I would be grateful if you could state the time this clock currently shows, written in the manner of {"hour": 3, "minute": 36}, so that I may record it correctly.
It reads {"hour": 1, "minute": 46}
